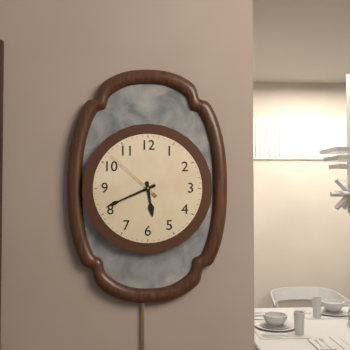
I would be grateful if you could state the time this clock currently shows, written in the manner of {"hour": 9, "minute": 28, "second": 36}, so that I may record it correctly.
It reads {"hour": 5, "minute": 41, "second": 52}
